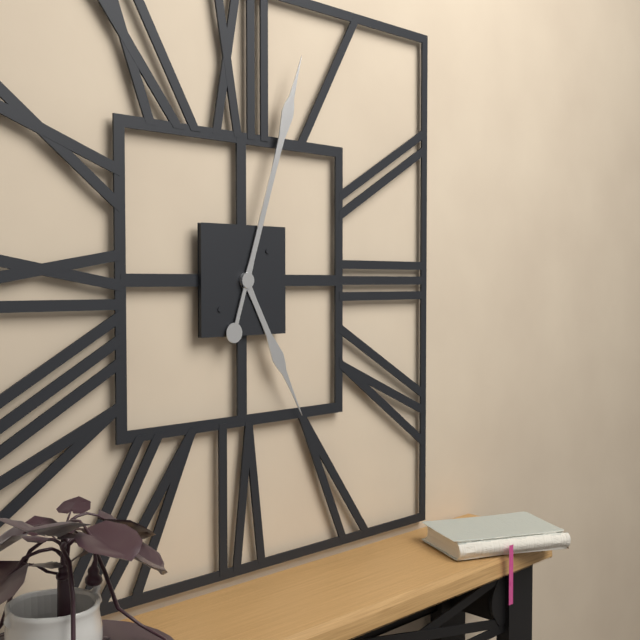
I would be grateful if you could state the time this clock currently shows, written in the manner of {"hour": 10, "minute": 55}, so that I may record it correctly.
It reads {"hour": 5, "minute": 3}
